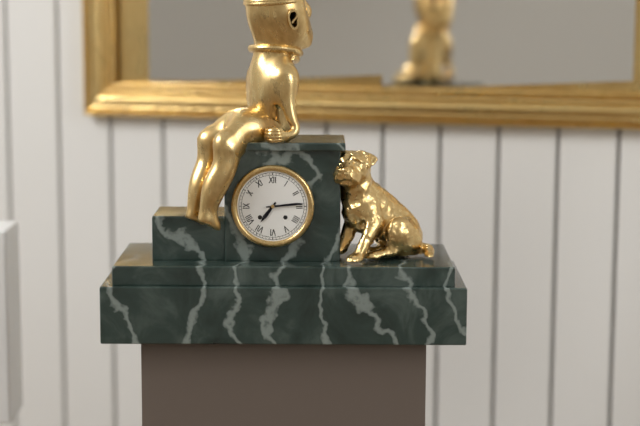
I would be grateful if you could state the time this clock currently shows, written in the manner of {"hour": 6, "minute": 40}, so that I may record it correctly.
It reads {"hour": 7, "minute": 14}
